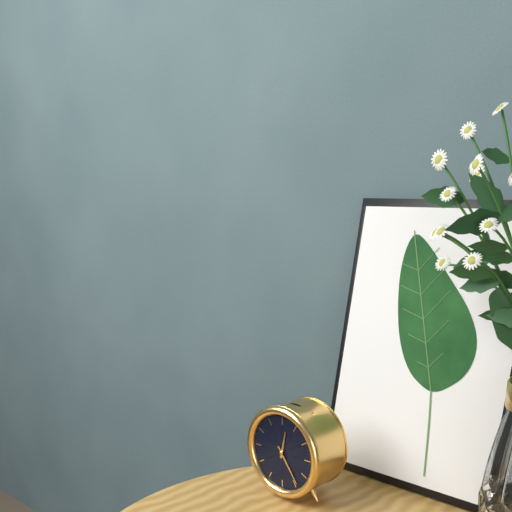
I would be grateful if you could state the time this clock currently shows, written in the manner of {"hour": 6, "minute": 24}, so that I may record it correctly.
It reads {"hour": 12, "minute": 24}
